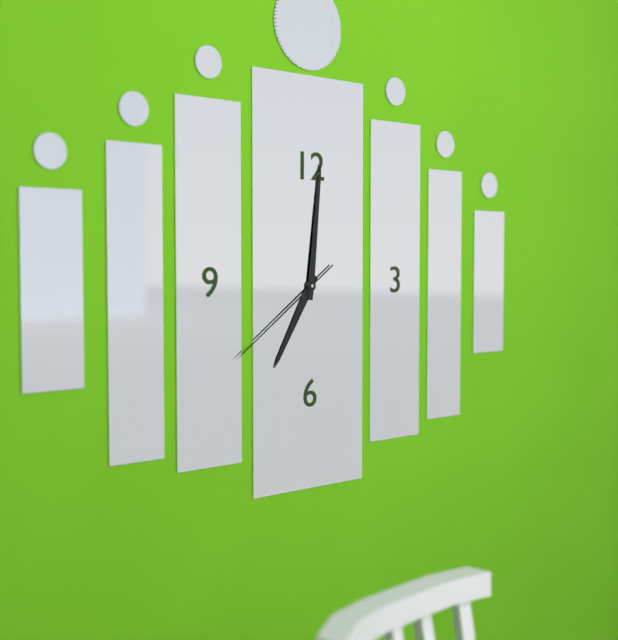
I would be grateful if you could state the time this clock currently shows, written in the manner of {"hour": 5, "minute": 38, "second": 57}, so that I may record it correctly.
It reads {"hour": 7, "minute": 1, "second": 39}
